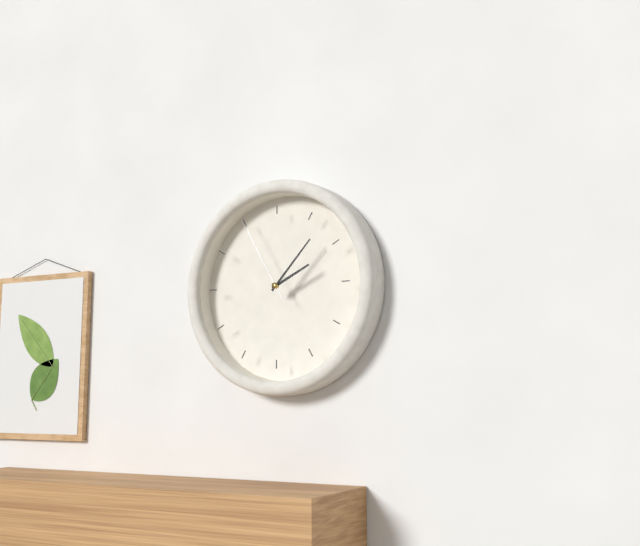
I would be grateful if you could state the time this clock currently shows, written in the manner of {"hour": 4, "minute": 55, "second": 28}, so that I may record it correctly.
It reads {"hour": 2, "minute": 7, "second": 55}
